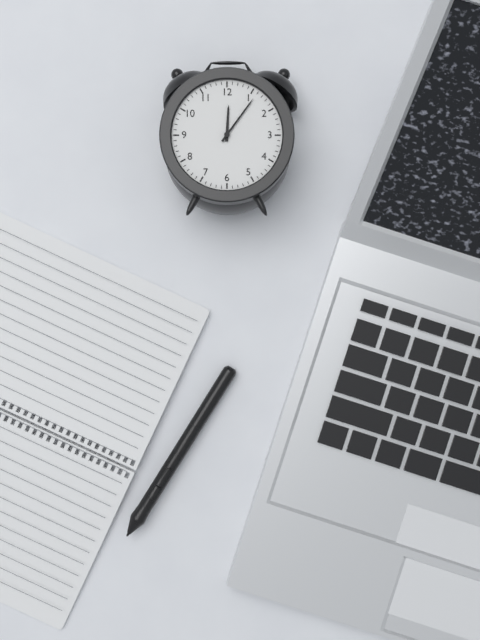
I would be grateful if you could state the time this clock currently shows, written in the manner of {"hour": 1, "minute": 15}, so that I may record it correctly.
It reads {"hour": 12, "minute": 6}
